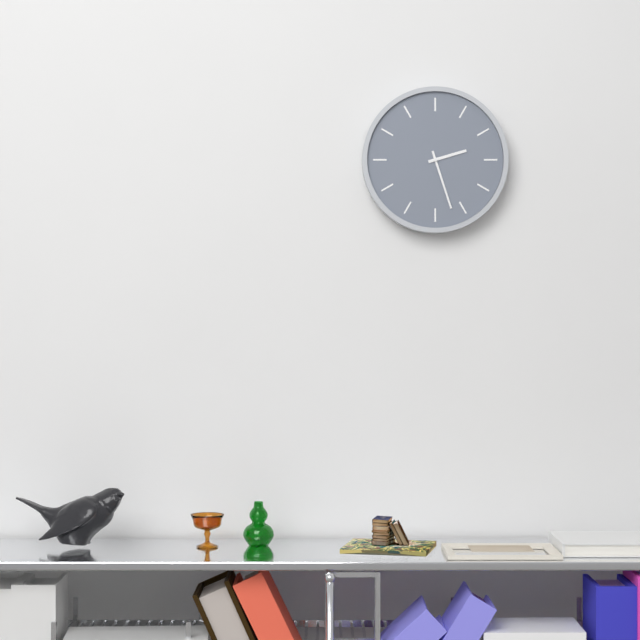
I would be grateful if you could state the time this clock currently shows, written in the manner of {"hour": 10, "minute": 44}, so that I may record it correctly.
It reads {"hour": 2, "minute": 27}
